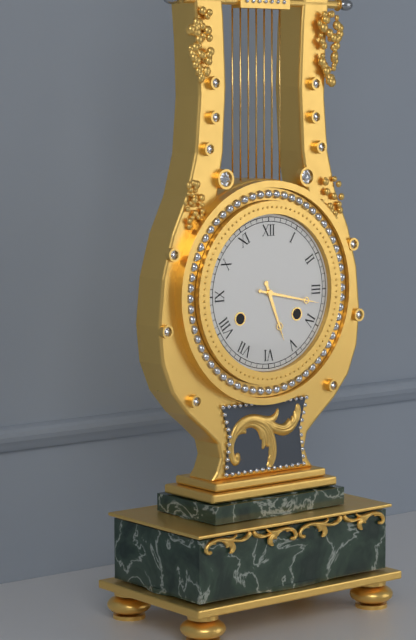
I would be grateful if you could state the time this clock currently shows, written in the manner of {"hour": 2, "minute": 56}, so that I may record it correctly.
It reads {"hour": 5, "minute": 17}
